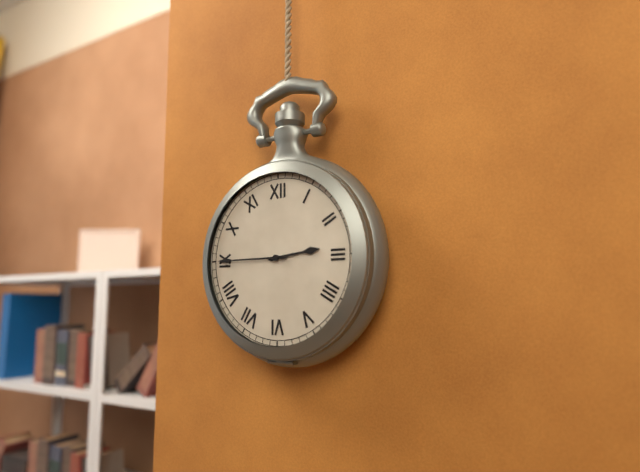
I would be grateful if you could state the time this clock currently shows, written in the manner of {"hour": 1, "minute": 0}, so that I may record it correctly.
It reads {"hour": 2, "minute": 45}
